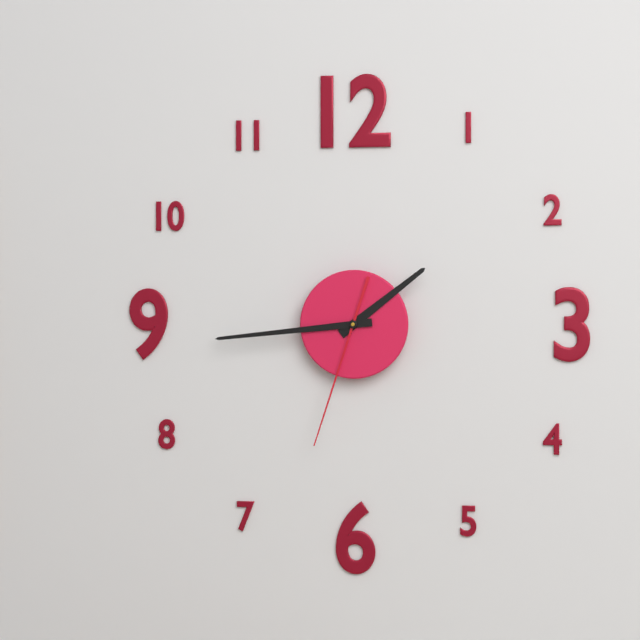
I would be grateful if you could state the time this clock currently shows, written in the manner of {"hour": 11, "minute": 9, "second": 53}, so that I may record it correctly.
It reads {"hour": 1, "minute": 44, "second": 33}
